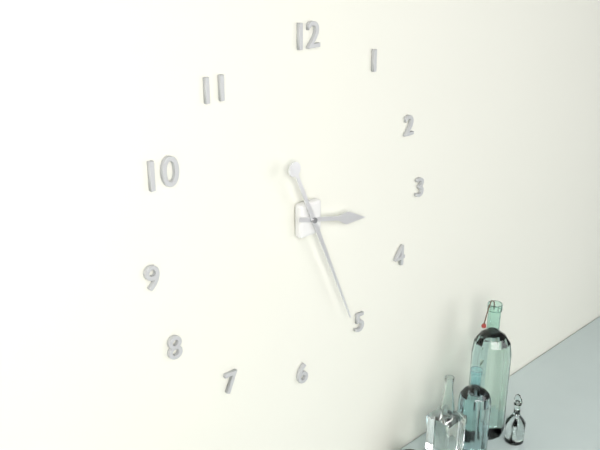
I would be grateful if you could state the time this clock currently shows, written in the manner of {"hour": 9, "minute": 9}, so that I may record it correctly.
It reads {"hour": 3, "minute": 26}
